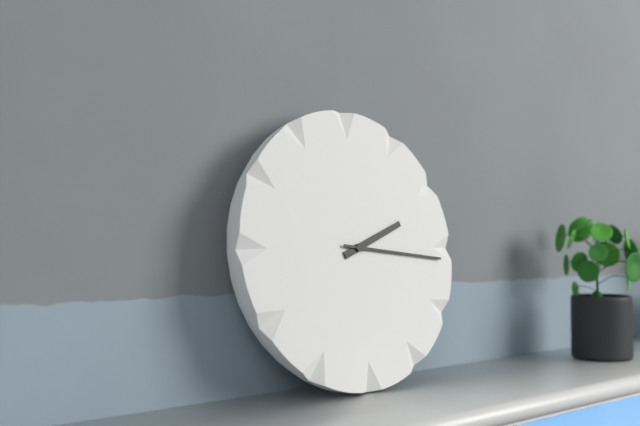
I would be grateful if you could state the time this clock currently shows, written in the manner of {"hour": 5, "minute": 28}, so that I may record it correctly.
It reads {"hour": 2, "minute": 16}
